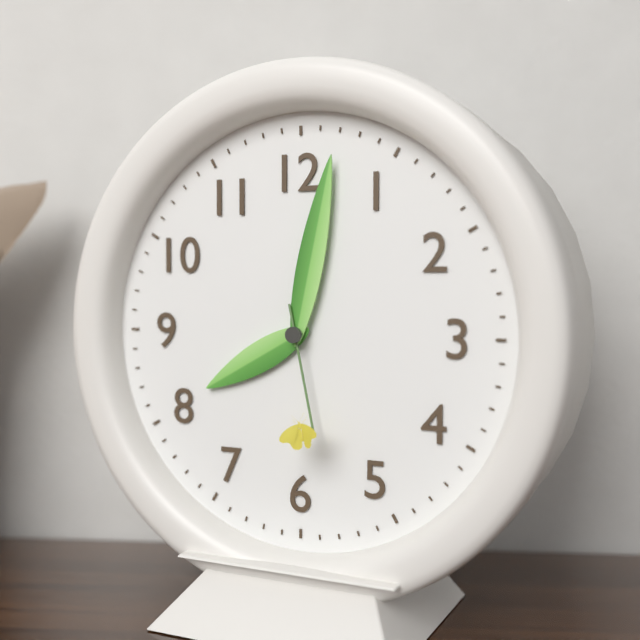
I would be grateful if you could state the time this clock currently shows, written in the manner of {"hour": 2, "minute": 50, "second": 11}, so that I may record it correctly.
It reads {"hour": 8, "minute": 2, "second": 28}
